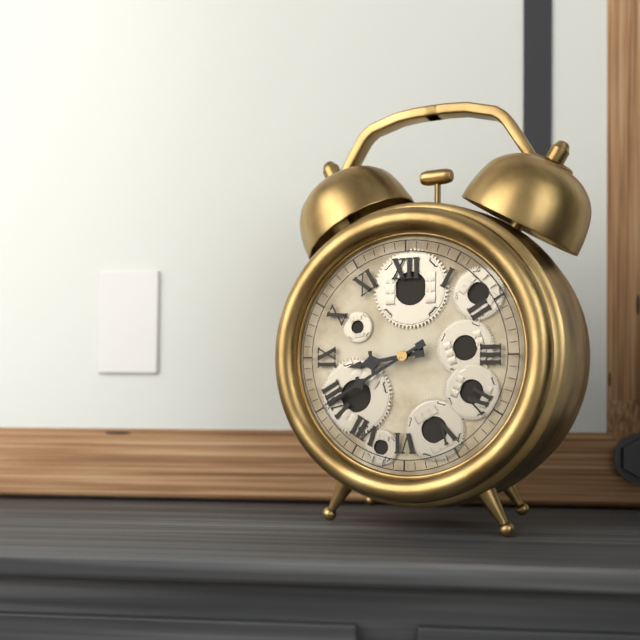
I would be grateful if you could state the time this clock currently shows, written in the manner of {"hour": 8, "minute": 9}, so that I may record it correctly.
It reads {"hour": 8, "minute": 40}
